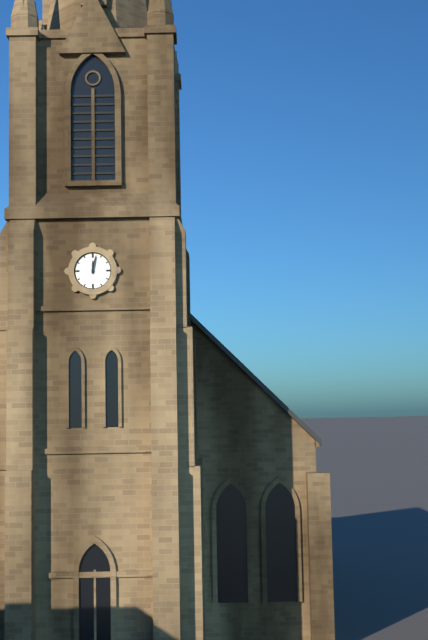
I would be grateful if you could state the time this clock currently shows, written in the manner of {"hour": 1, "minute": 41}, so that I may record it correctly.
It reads {"hour": 12, "minute": 2}
